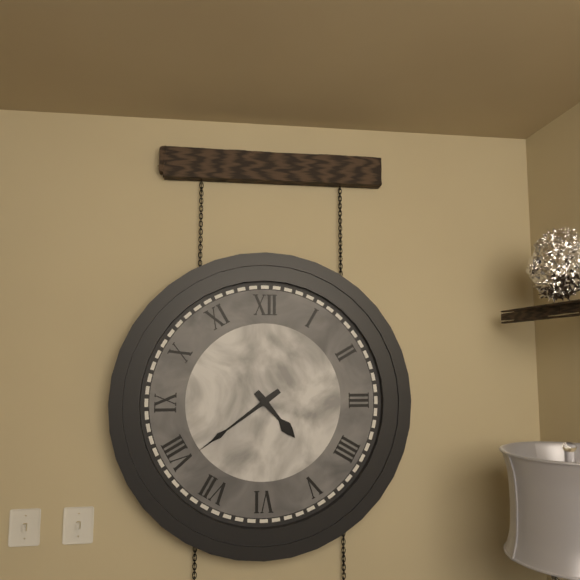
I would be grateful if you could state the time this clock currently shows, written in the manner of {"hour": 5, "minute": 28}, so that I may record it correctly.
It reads {"hour": 4, "minute": 39}
